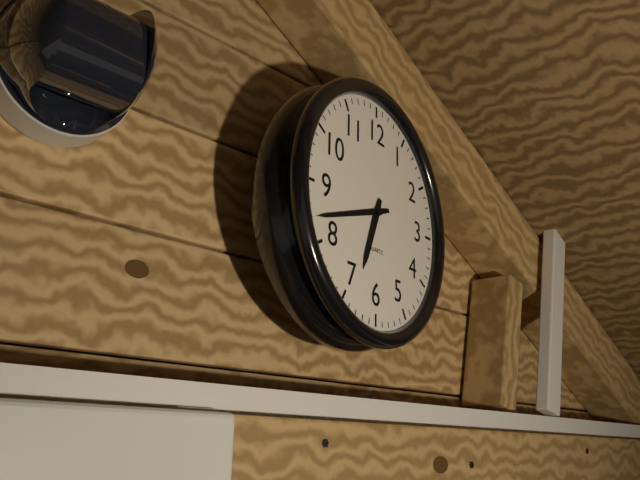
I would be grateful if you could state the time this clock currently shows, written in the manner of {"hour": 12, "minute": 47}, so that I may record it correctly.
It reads {"hour": 6, "minute": 42}
